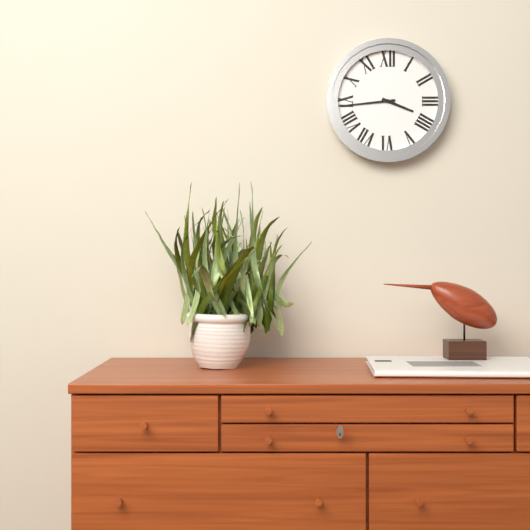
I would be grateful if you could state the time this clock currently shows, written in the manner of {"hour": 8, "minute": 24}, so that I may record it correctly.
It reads {"hour": 3, "minute": 44}
